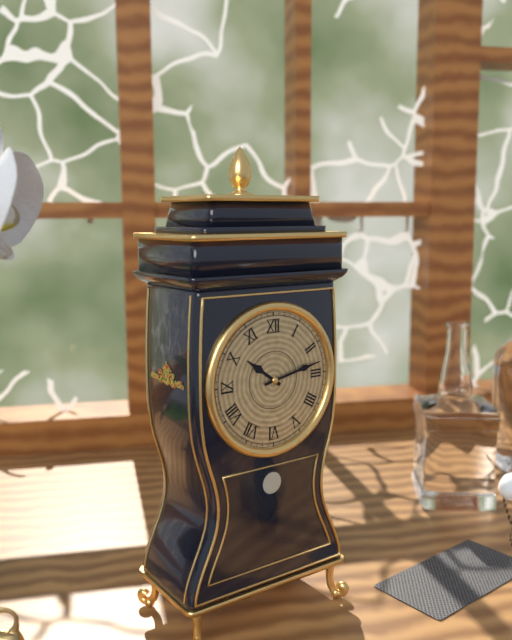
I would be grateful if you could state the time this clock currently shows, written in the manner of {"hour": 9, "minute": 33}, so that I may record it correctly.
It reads {"hour": 10, "minute": 13}
